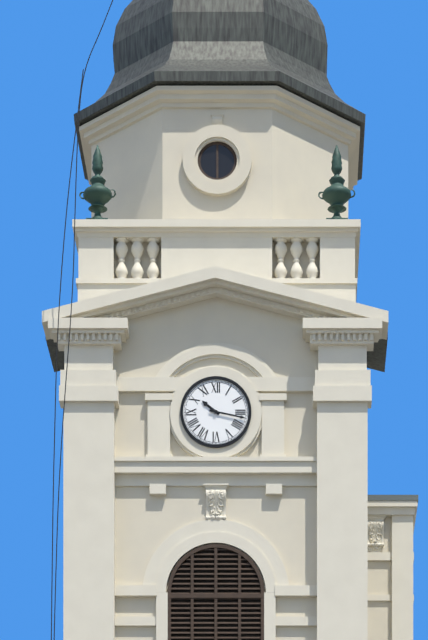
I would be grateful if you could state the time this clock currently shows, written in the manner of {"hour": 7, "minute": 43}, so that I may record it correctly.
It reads {"hour": 10, "minute": 17}
